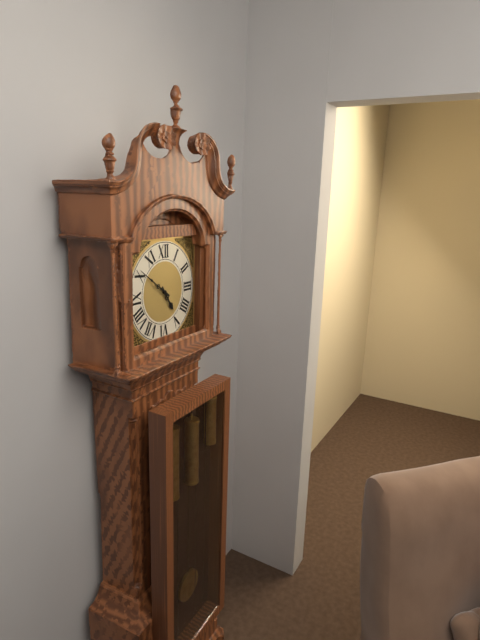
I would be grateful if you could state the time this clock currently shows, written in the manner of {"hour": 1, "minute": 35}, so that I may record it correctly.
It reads {"hour": 4, "minute": 51}
